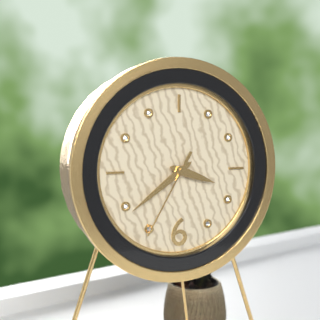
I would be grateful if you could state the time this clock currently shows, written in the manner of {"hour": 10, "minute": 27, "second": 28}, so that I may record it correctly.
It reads {"hour": 3, "minute": 39, "second": 35}
